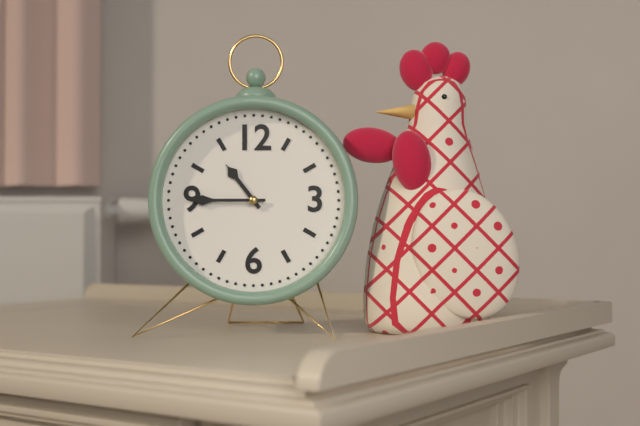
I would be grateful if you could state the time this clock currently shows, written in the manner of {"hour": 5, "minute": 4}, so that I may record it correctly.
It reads {"hour": 10, "minute": 45}
